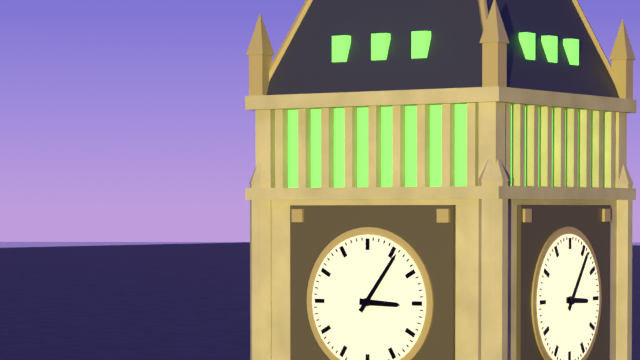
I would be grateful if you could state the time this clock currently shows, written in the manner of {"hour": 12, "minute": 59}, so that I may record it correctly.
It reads {"hour": 3, "minute": 6}
